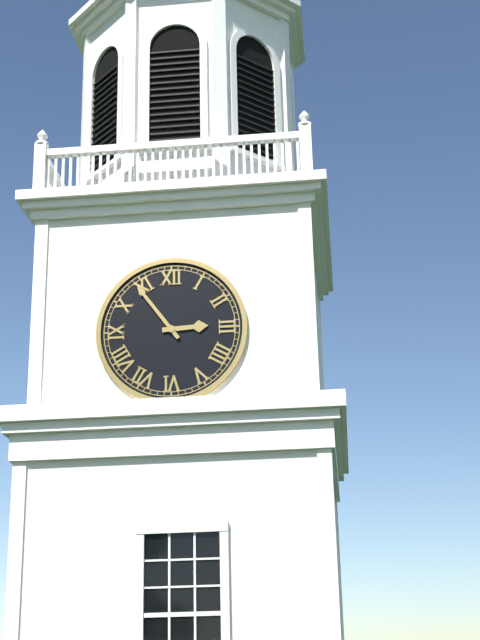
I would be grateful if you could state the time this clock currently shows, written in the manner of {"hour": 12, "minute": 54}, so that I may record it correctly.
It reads {"hour": 2, "minute": 54}
